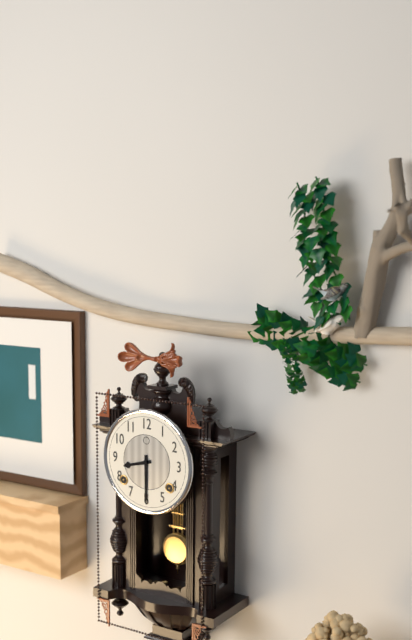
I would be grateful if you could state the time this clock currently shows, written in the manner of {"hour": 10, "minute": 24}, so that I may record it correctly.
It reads {"hour": 8, "minute": 30}
